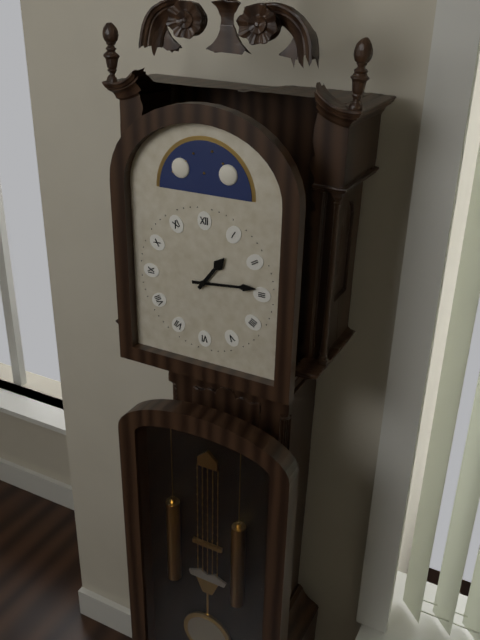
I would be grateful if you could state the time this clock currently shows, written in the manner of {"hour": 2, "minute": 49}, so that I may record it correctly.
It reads {"hour": 1, "minute": 14}
